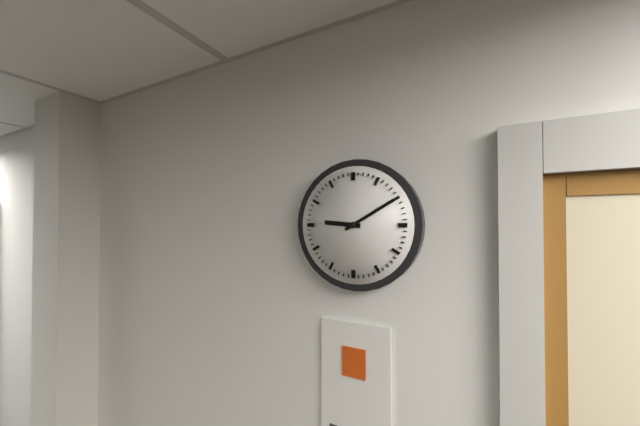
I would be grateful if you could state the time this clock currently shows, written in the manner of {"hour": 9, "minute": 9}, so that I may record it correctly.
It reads {"hour": 9, "minute": 10}
